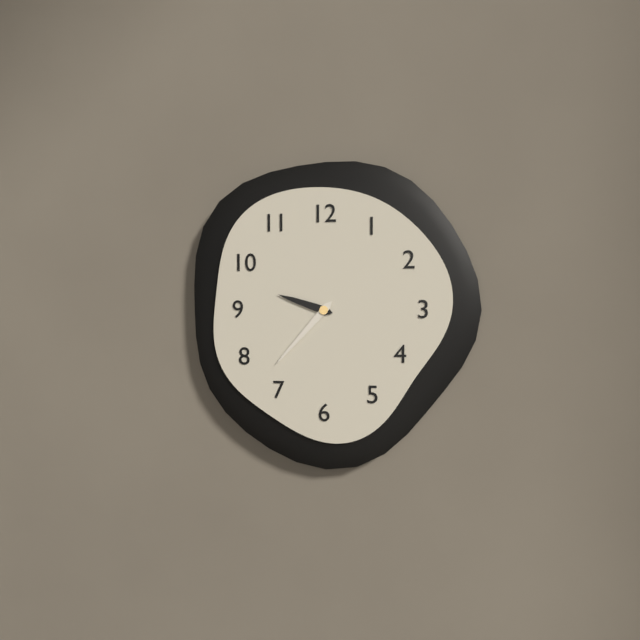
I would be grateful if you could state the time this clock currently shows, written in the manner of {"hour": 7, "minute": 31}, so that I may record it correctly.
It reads {"hour": 9, "minute": 37}
